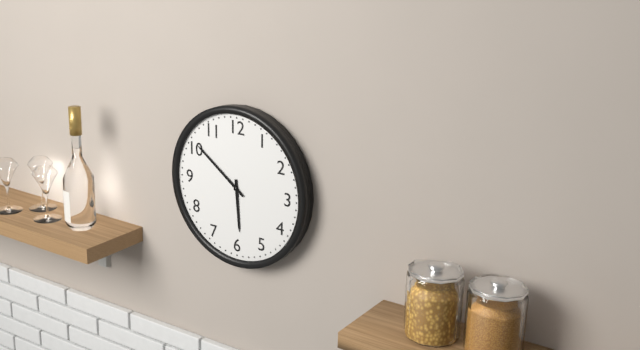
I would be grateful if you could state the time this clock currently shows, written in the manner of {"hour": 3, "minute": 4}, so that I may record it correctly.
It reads {"hour": 5, "minute": 51}
